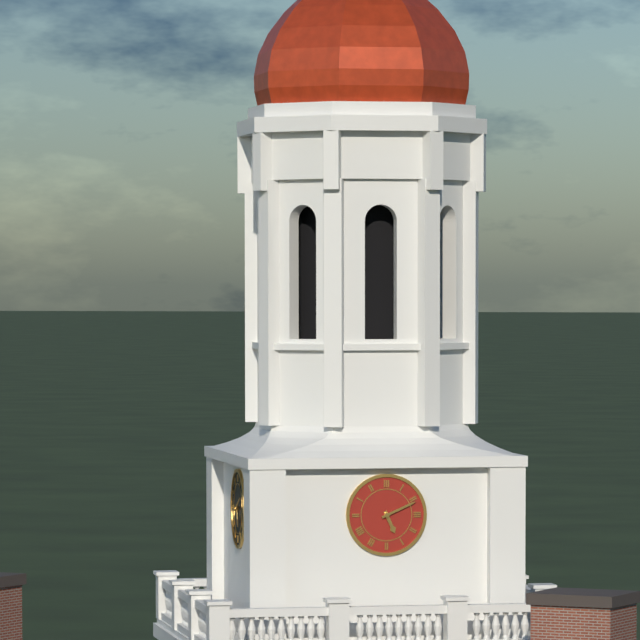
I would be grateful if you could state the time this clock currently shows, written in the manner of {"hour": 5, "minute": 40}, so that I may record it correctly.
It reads {"hour": 5, "minute": 11}
